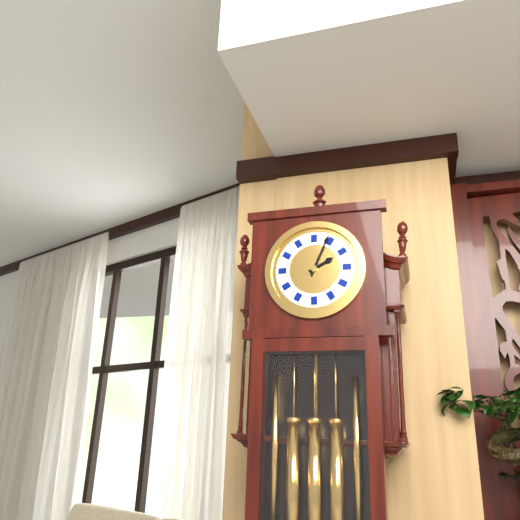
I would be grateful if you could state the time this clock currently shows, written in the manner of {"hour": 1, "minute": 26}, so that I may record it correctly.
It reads {"hour": 2, "minute": 4}
